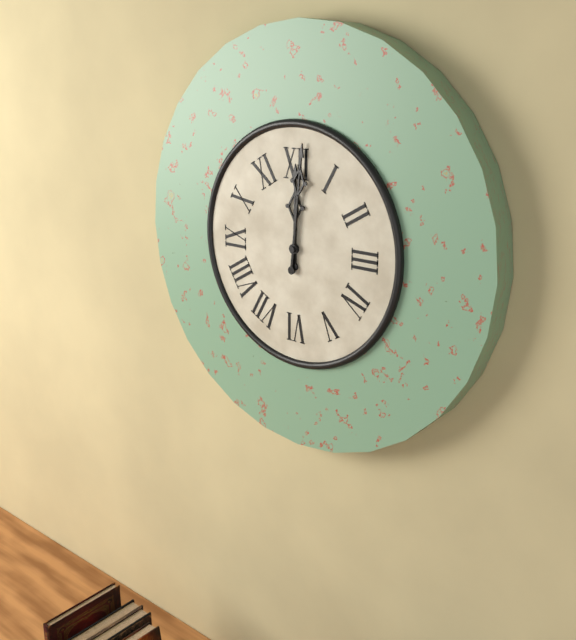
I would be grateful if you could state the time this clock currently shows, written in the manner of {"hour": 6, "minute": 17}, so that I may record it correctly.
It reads {"hour": 12, "minute": 1}
